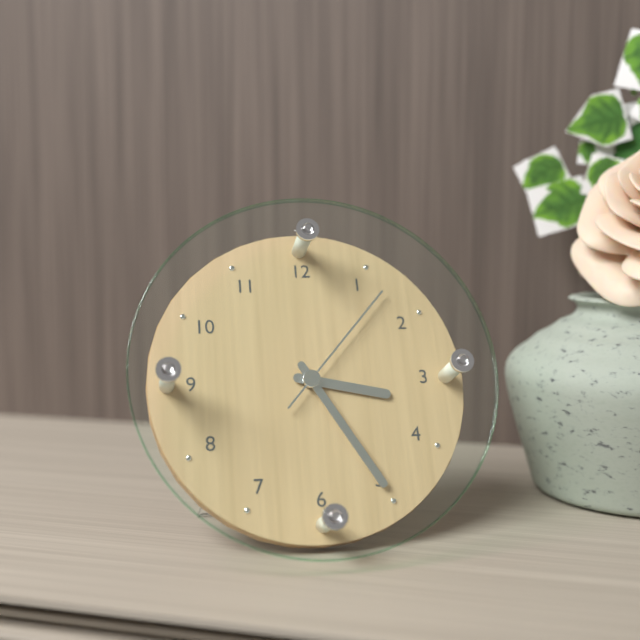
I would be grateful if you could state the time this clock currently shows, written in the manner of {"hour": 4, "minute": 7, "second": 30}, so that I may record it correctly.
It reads {"hour": 3, "minute": 25, "second": 7}
